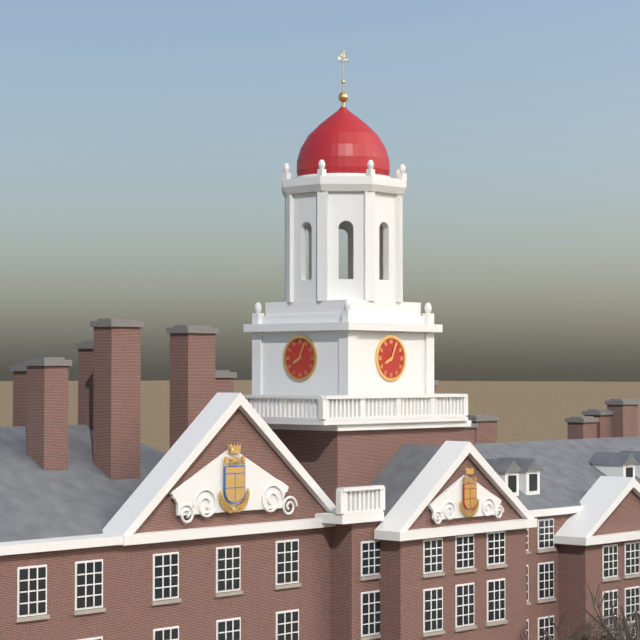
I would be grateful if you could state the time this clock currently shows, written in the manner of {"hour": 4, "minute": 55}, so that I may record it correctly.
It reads {"hour": 8, "minute": 4}
